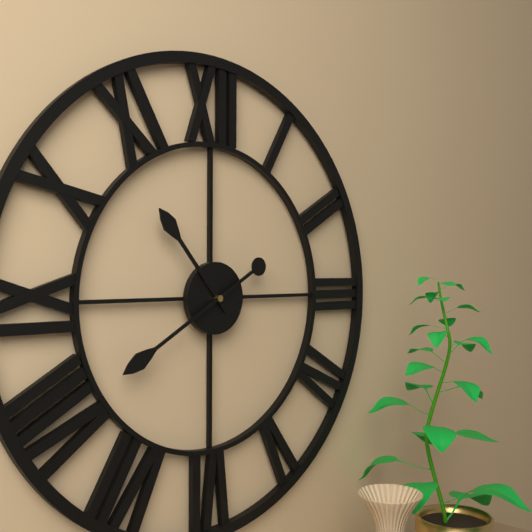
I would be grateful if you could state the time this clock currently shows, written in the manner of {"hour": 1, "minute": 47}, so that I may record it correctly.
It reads {"hour": 10, "minute": 40}
